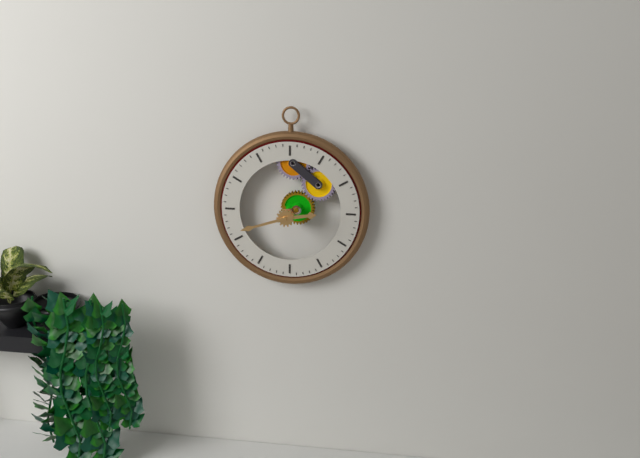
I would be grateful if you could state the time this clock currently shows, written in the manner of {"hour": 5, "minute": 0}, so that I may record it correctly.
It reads {"hour": 2, "minute": 42}
